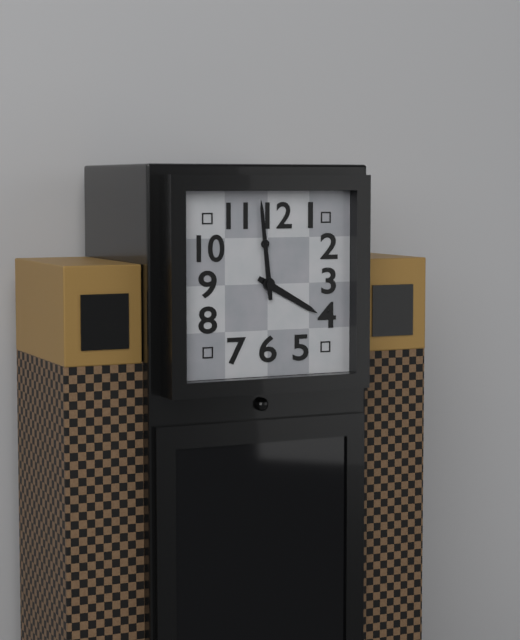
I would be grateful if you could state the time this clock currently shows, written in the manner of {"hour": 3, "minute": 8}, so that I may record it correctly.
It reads {"hour": 3, "minute": 59}
